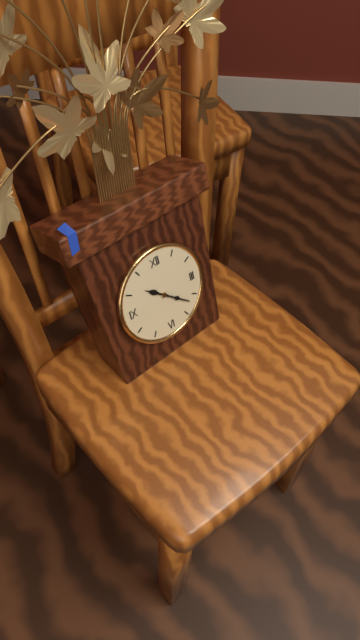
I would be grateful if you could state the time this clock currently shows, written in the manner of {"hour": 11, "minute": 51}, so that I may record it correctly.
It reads {"hour": 10, "minute": 22}
